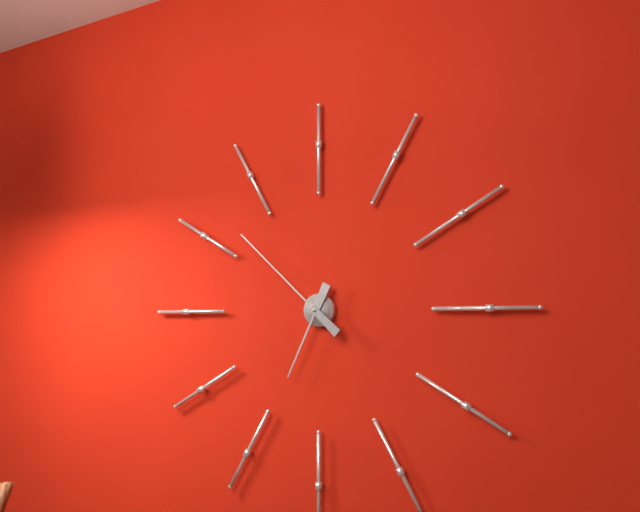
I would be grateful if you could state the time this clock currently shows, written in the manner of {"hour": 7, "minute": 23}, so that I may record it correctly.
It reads {"hour": 6, "minute": 52}
